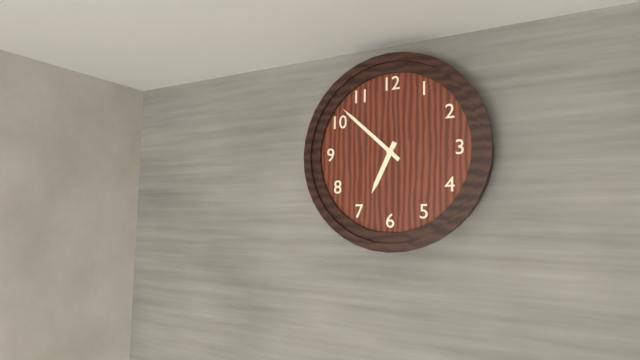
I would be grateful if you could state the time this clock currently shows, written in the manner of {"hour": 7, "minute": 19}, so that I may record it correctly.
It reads {"hour": 6, "minute": 52}
